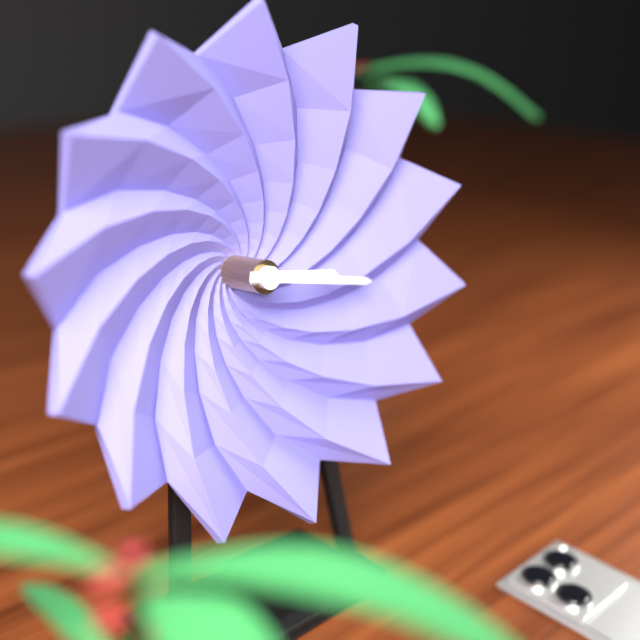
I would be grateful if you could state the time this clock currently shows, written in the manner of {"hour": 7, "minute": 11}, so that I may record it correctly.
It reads {"hour": 3, "minute": 17}
